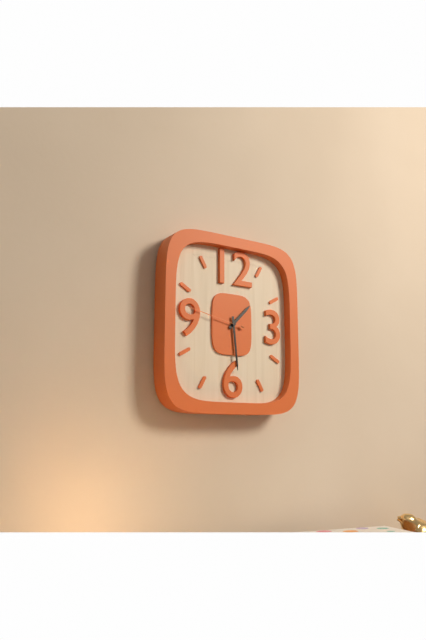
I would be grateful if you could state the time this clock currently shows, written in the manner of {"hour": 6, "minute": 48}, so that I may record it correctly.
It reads {"hour": 1, "minute": 29}
